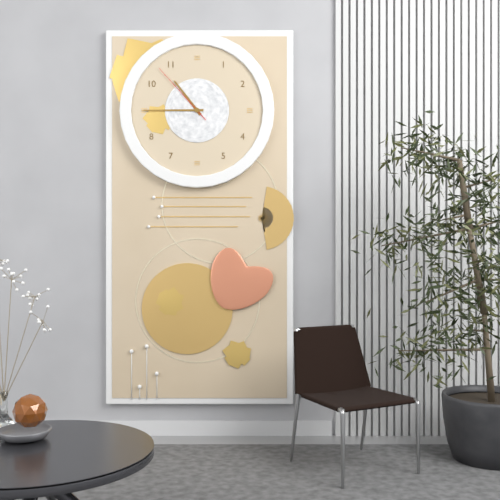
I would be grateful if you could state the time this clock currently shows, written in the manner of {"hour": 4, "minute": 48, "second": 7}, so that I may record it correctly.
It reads {"hour": 10, "minute": 45, "second": 53}
